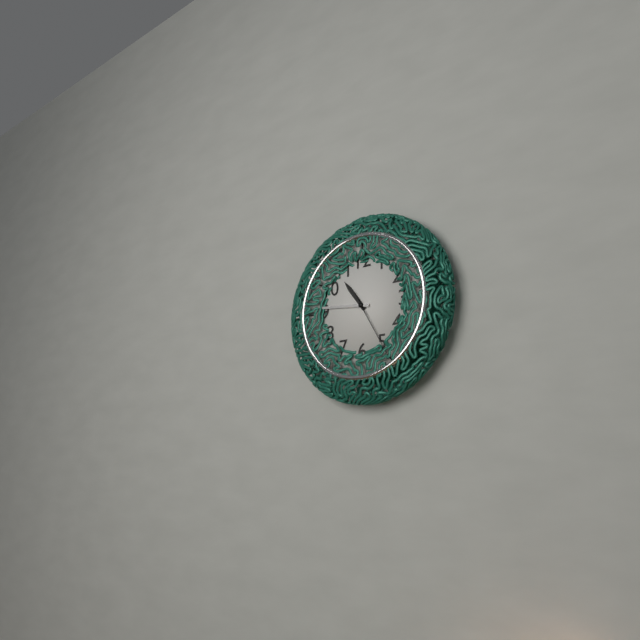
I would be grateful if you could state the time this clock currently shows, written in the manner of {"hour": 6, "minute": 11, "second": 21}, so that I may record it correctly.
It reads {"hour": 10, "minute": 46, "second": 25}
